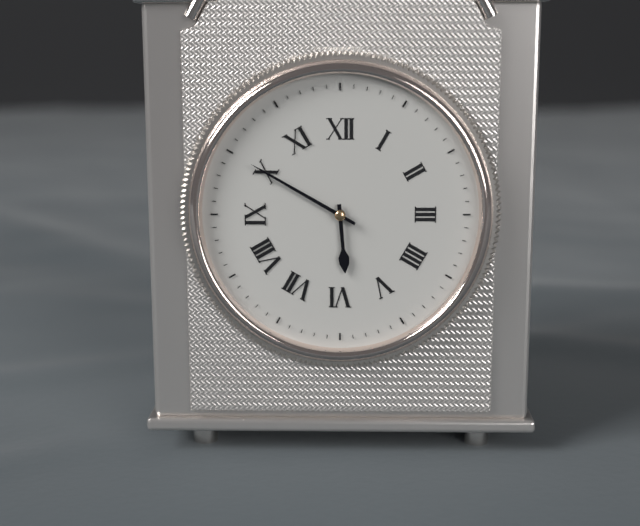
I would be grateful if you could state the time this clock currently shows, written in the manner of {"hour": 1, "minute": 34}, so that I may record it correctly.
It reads {"hour": 5, "minute": 50}
